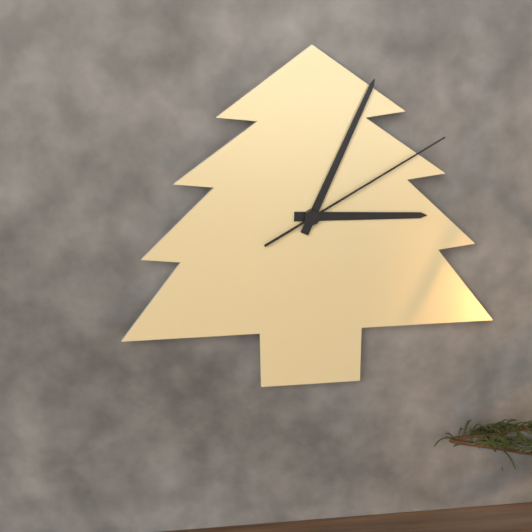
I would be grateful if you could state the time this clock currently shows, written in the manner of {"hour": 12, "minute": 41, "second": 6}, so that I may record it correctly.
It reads {"hour": 3, "minute": 4, "second": 10}
